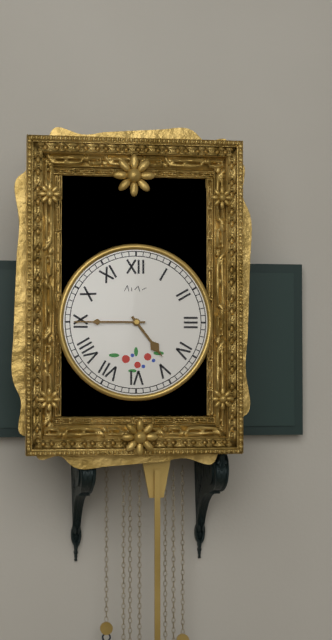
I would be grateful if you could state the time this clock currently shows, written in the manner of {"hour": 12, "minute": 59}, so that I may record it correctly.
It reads {"hour": 4, "minute": 45}
